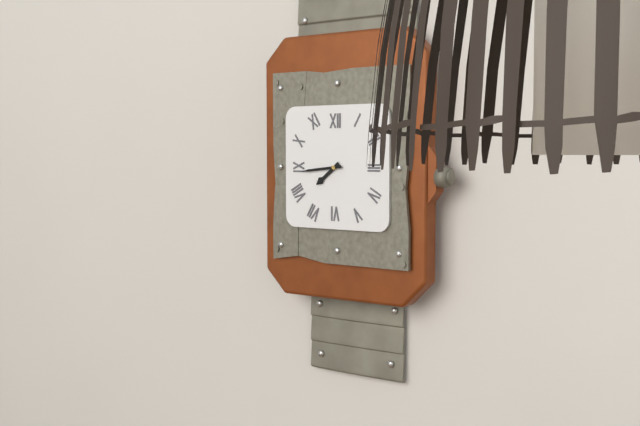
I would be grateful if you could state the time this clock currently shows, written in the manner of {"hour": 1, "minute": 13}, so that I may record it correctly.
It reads {"hour": 7, "minute": 44}
